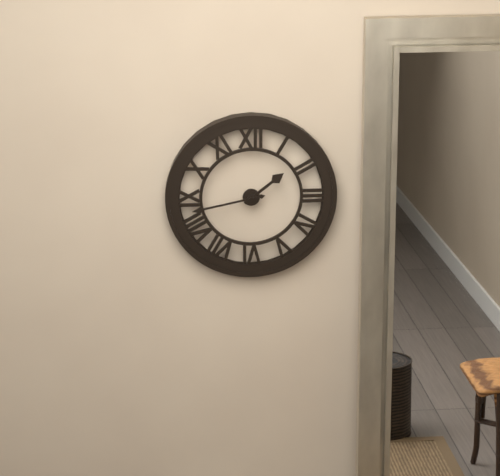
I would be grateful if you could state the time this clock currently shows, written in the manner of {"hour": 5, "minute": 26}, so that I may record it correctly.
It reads {"hour": 1, "minute": 43}
